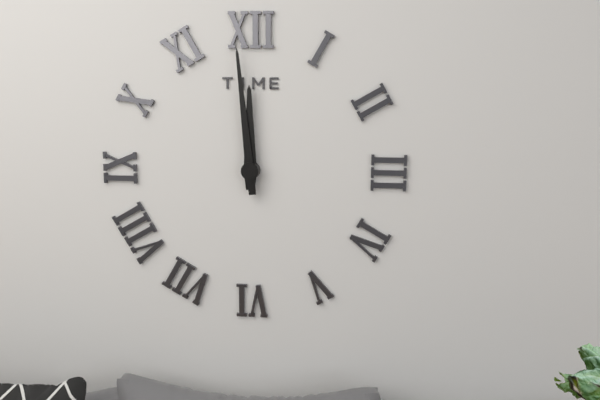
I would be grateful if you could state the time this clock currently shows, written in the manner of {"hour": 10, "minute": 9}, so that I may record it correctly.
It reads {"hour": 11, "minute": 59}
